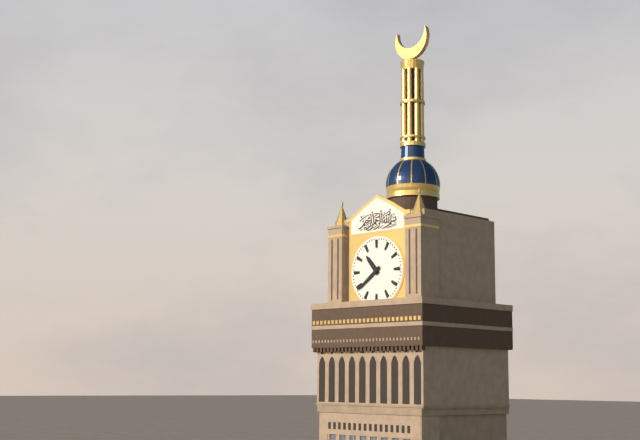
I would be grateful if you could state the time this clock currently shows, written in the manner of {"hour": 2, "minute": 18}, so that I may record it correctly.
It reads {"hour": 10, "minute": 39}
